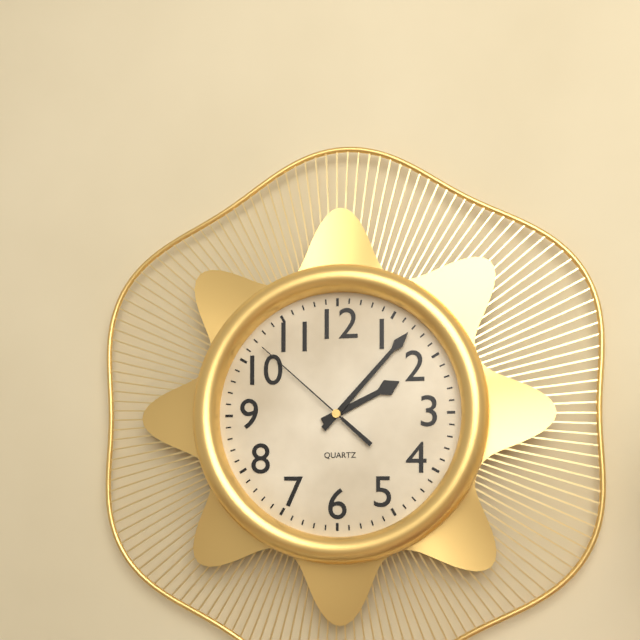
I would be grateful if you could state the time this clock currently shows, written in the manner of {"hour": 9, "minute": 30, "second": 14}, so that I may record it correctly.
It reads {"hour": 2, "minute": 7, "second": 52}
